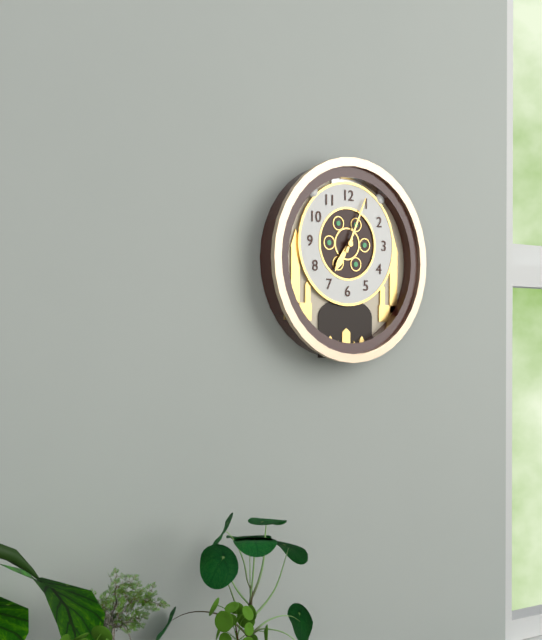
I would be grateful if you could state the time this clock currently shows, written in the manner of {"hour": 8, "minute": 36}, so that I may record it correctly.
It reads {"hour": 7, "minute": 4}
